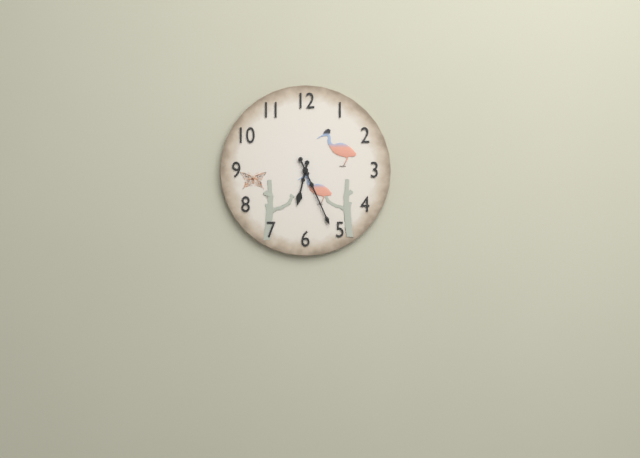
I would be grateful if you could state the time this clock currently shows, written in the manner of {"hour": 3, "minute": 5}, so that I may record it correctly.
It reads {"hour": 6, "minute": 26}
